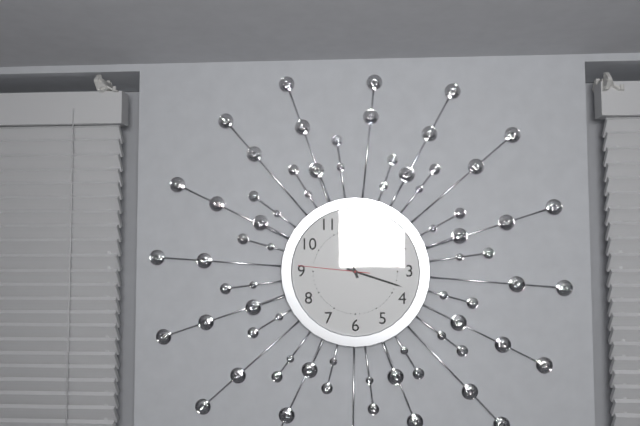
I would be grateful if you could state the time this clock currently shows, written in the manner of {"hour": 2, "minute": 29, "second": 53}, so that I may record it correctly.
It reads {"hour": 11, "minute": 18, "second": 46}
